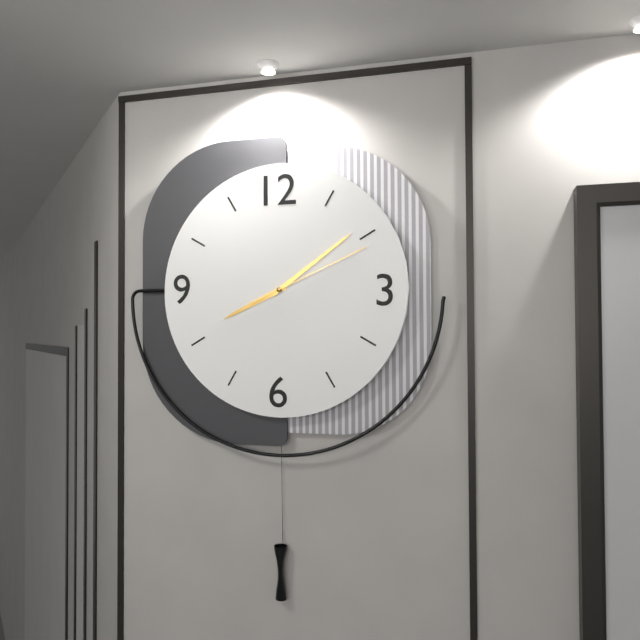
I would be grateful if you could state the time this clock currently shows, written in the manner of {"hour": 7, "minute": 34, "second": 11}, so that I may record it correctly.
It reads {"hour": 8, "minute": 9, "second": 11}
